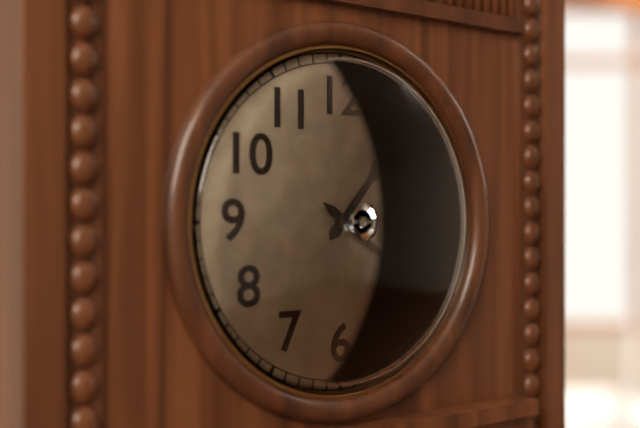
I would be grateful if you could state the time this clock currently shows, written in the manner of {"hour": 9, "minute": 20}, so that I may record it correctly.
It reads {"hour": 1, "minute": 21}
